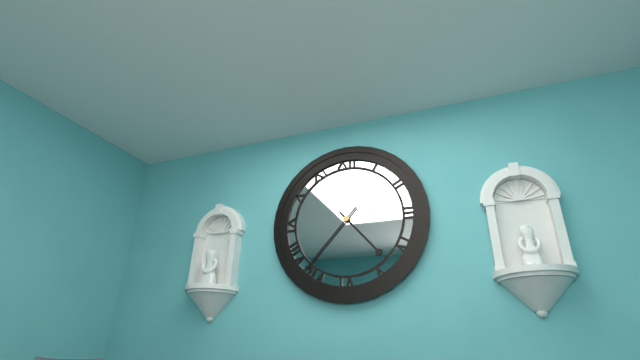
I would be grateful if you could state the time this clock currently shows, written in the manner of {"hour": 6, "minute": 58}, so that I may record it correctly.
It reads {"hour": 4, "minute": 37}
